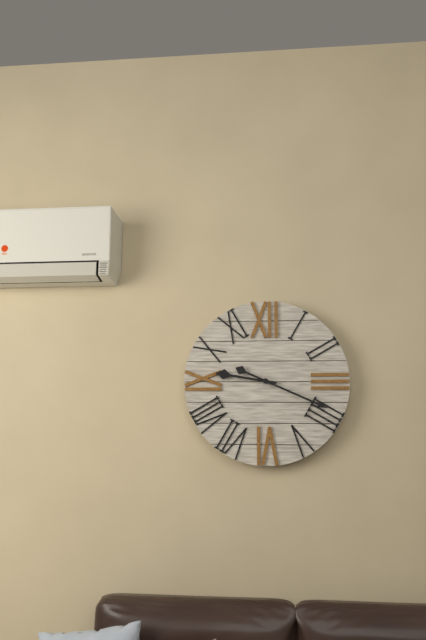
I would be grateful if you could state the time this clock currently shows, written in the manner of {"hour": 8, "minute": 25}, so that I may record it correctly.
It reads {"hour": 9, "minute": 19}
